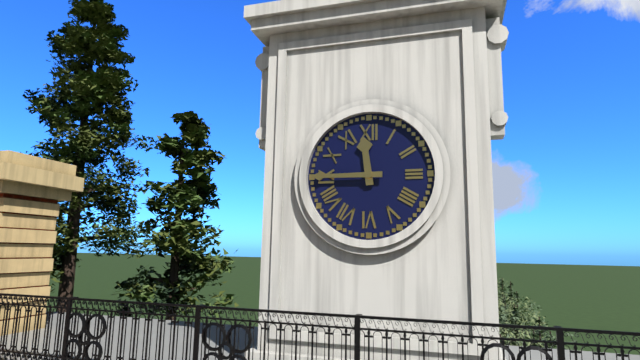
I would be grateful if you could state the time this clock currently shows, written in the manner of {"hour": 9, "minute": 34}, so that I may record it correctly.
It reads {"hour": 11, "minute": 45}
